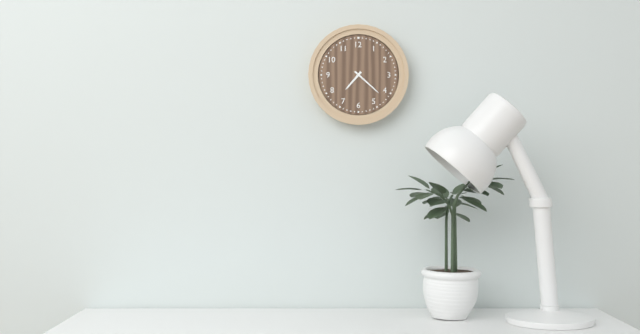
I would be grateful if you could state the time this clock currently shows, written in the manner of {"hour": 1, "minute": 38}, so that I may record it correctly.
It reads {"hour": 7, "minute": 22}
